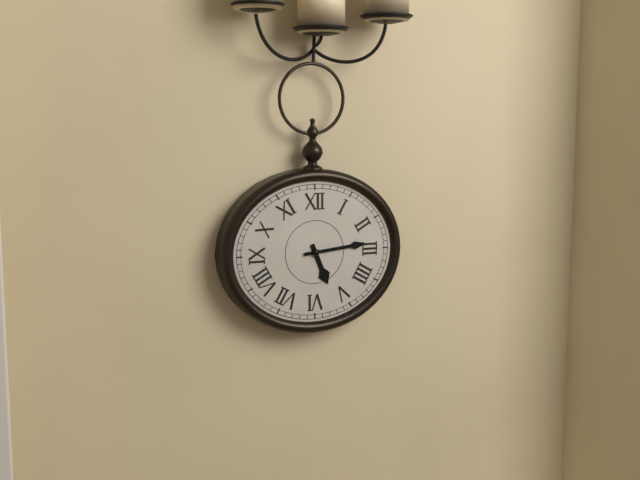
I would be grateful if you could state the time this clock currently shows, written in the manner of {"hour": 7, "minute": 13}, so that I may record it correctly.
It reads {"hour": 5, "minute": 14}
